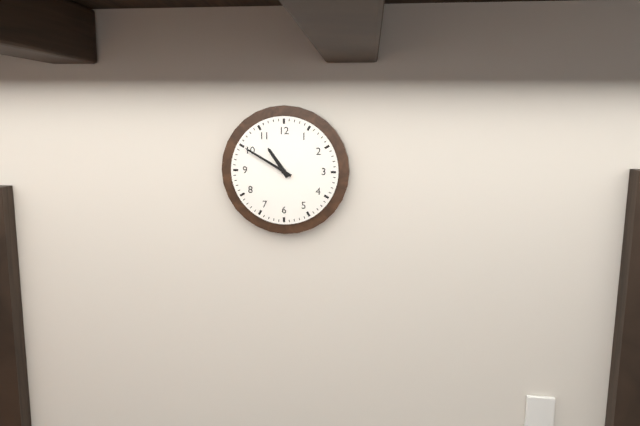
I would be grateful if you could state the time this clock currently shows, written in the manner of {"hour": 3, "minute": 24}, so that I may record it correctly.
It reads {"hour": 10, "minute": 50}
